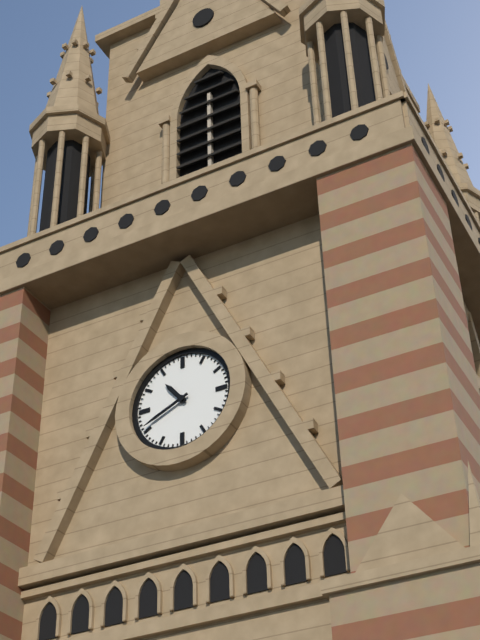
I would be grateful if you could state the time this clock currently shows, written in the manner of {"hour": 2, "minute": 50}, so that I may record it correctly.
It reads {"hour": 10, "minute": 41}
